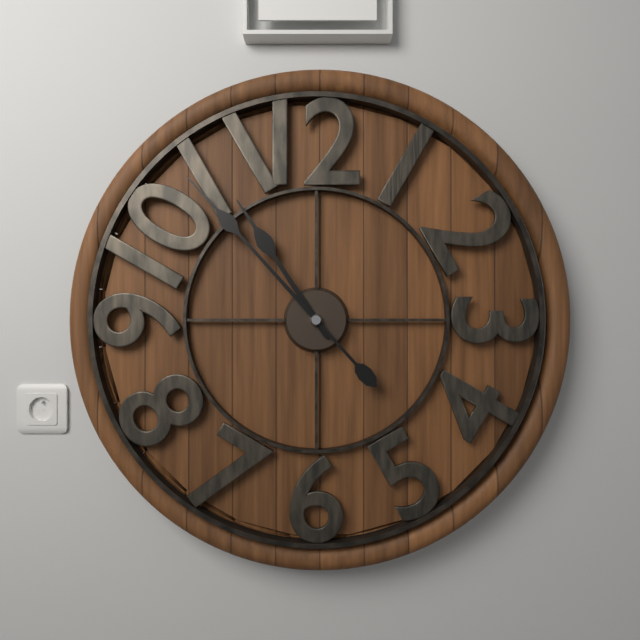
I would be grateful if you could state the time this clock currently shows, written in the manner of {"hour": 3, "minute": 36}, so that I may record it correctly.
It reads {"hour": 10, "minute": 53}
